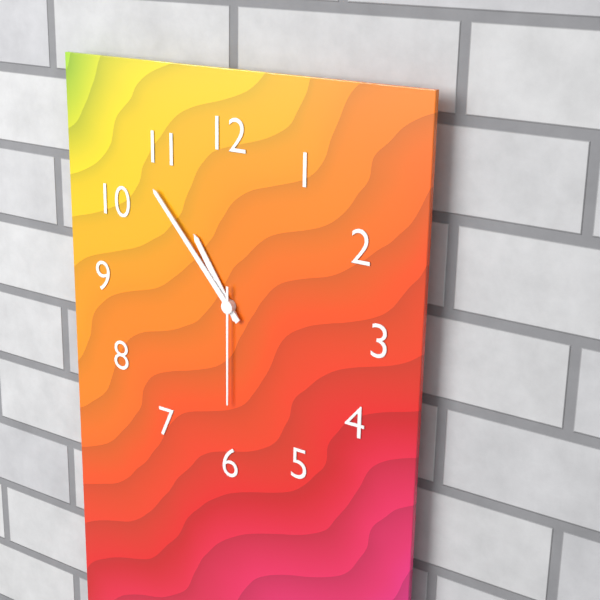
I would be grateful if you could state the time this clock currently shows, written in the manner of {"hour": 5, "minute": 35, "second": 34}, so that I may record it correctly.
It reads {"hour": 10, "minute": 53, "second": 30}
